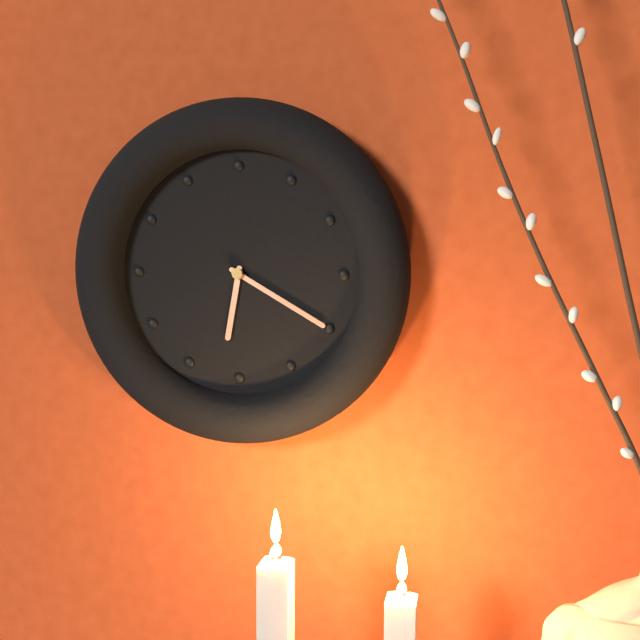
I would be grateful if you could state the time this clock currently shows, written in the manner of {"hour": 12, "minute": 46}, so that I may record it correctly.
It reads {"hour": 6, "minute": 20}
